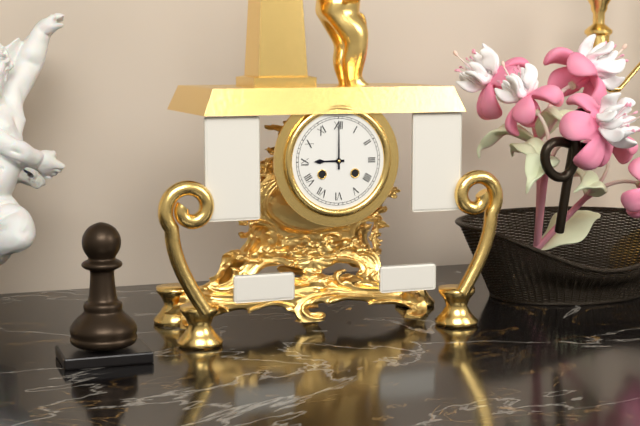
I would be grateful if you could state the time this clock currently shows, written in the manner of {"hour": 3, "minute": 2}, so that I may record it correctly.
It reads {"hour": 9, "minute": 0}
